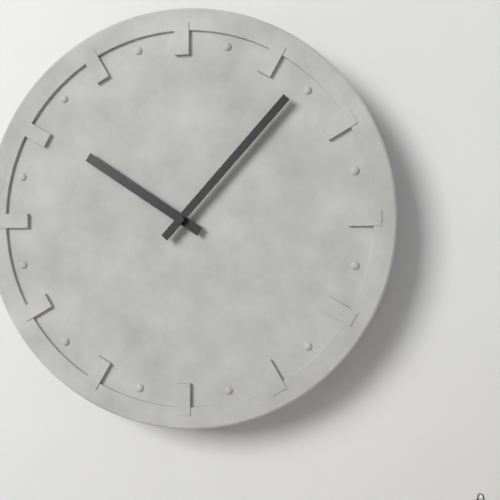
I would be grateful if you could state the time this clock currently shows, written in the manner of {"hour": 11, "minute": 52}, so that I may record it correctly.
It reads {"hour": 10, "minute": 7}
